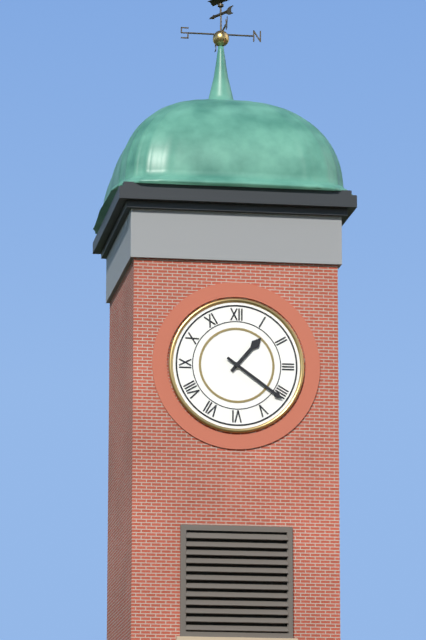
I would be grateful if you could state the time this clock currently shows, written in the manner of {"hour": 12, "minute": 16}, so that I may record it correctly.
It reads {"hour": 1, "minute": 21}
